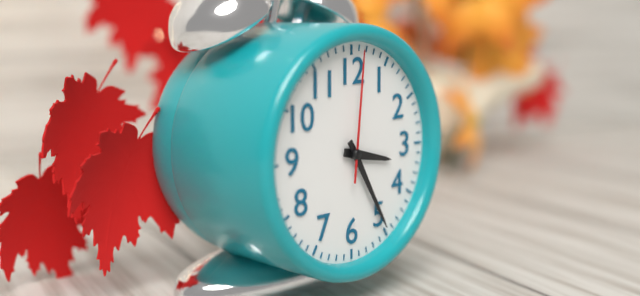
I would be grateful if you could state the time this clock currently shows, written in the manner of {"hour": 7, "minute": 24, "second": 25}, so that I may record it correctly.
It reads {"hour": 3, "minute": 25, "second": 1}
